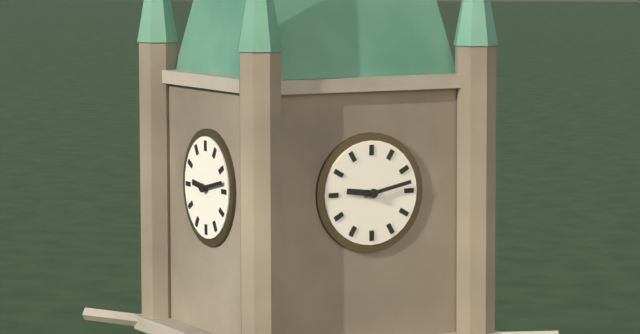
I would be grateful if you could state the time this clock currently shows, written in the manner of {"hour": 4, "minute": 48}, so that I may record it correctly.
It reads {"hour": 9, "minute": 13}
